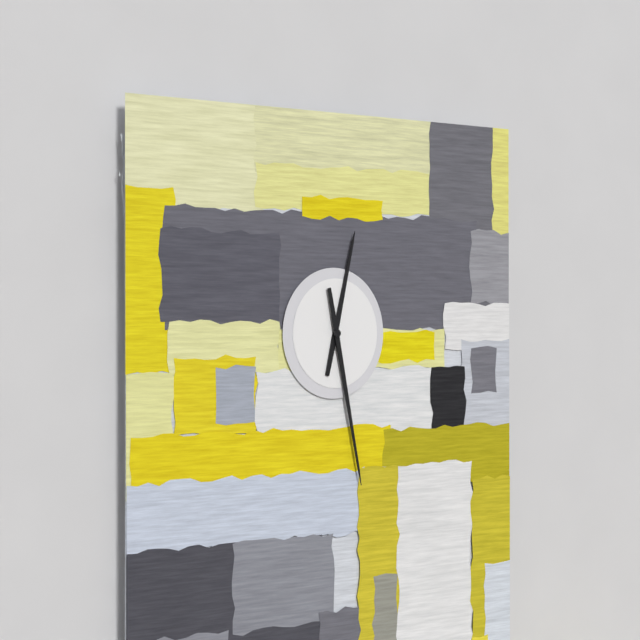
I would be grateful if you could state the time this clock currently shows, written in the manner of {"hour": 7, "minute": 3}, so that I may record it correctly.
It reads {"hour": 12, "minute": 28}
